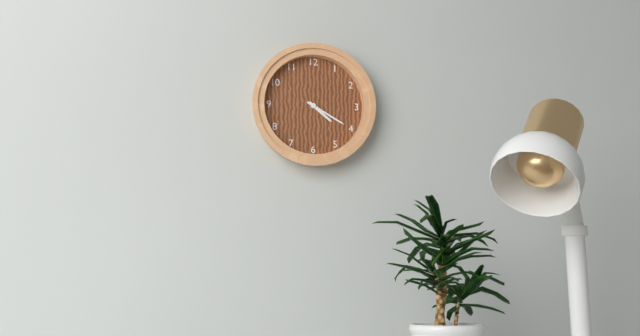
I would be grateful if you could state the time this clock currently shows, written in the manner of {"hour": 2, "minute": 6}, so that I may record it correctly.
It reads {"hour": 4, "minute": 20}
